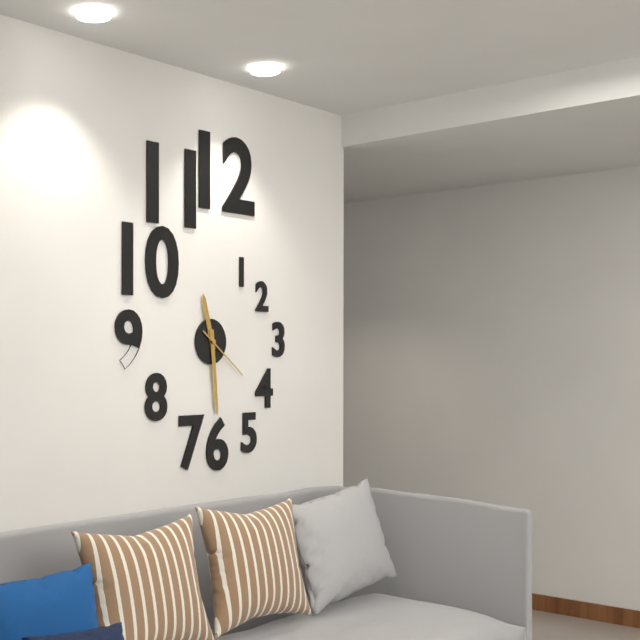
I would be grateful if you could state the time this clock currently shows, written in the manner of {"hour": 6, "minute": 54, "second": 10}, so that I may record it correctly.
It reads {"hour": 11, "minute": 29, "second": 21}
